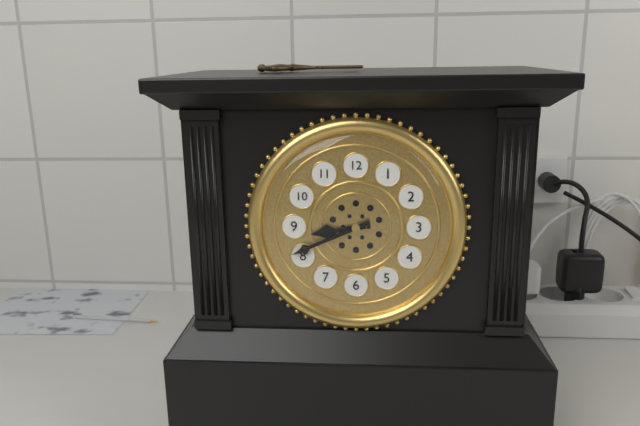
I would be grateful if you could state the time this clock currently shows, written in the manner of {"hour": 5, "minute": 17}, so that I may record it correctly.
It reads {"hour": 8, "minute": 41}
